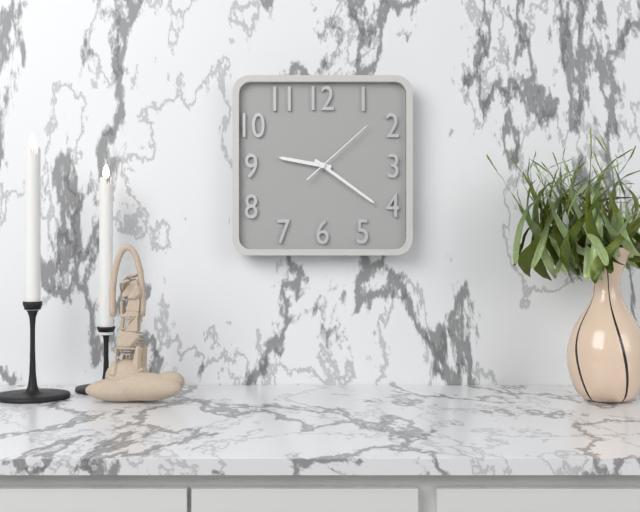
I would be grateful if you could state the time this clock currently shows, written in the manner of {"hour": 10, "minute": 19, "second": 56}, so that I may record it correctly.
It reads {"hour": 9, "minute": 21, "second": 8}
